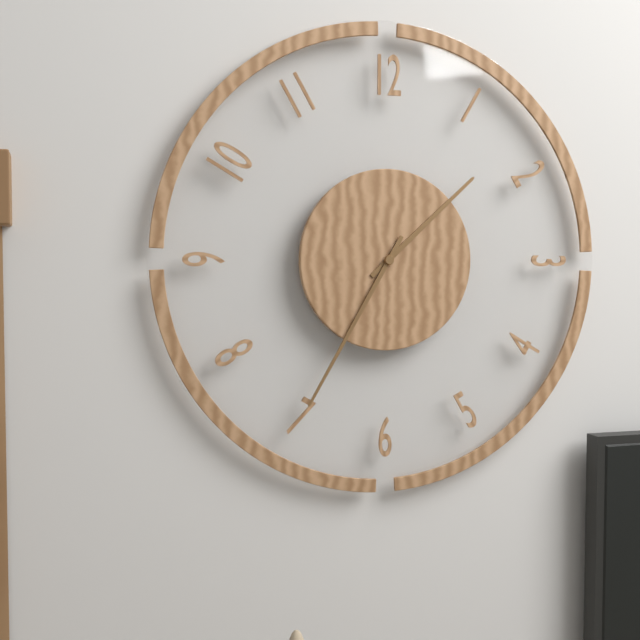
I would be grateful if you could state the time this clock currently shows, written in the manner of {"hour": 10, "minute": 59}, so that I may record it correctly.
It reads {"hour": 1, "minute": 35}
